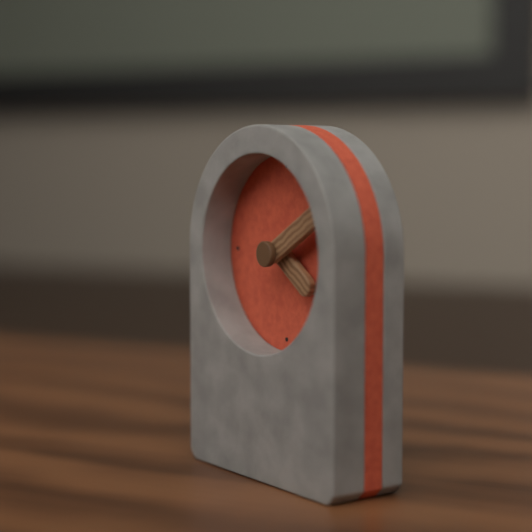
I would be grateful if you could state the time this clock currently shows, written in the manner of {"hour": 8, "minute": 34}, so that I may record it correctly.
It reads {"hour": 4, "minute": 10}
